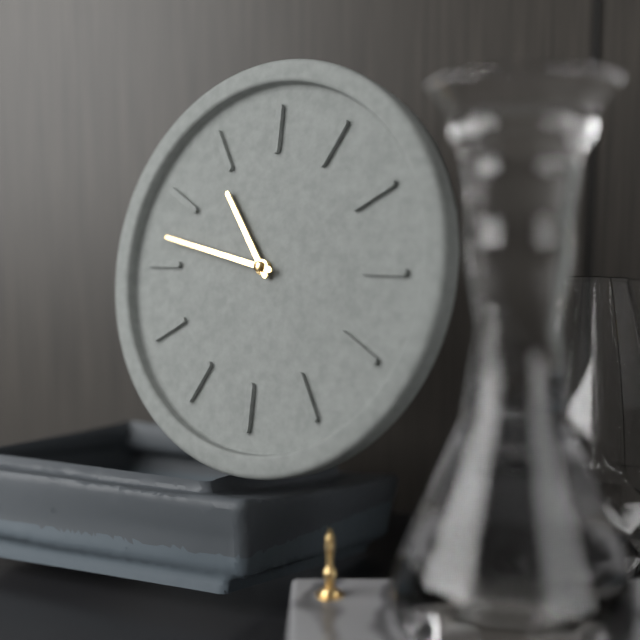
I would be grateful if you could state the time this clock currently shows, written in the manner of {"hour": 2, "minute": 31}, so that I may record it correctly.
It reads {"hour": 10, "minute": 47}
